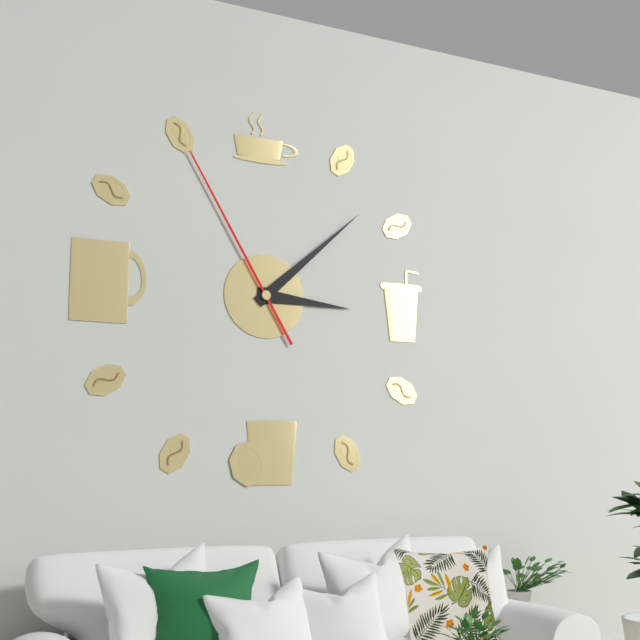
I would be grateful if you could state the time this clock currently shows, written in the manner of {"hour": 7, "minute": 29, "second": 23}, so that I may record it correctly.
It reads {"hour": 3, "minute": 8, "second": 55}
